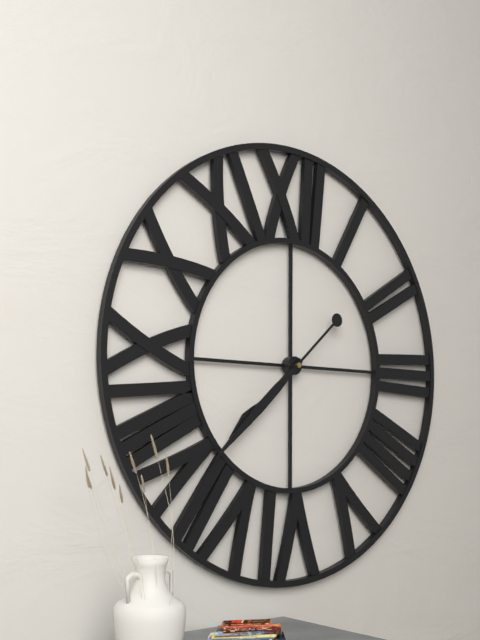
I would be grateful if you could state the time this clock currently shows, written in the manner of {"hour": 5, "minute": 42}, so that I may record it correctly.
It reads {"hour": 7, "minute": 38}
